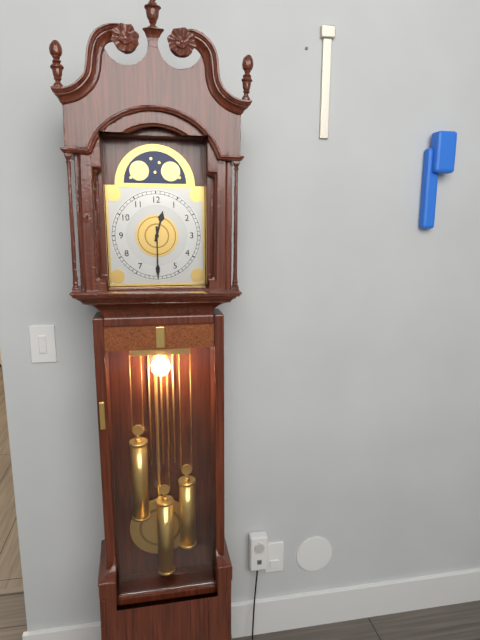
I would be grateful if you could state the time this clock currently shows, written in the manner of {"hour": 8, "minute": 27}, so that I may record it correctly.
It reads {"hour": 12, "minute": 30}
